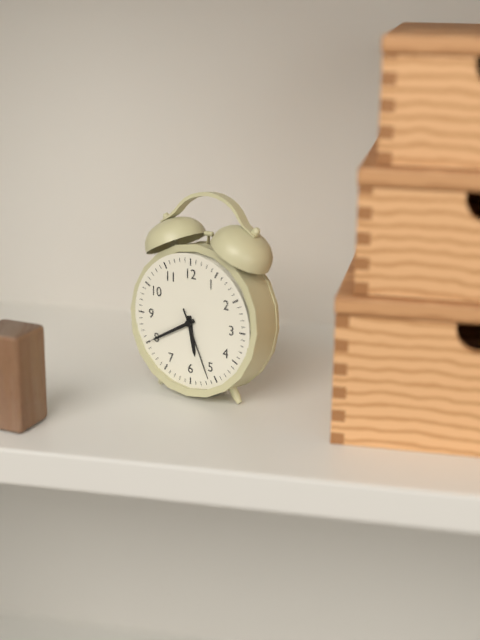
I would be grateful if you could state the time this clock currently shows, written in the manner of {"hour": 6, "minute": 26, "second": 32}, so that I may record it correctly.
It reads {"hour": 5, "minute": 40, "second": 26}
